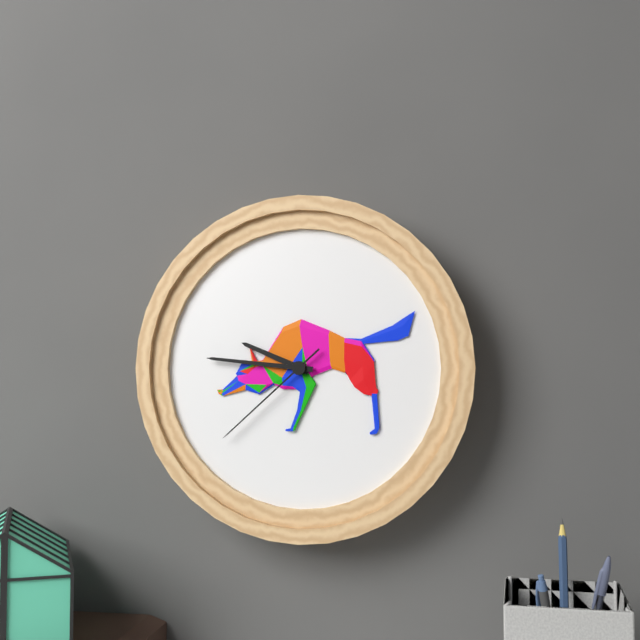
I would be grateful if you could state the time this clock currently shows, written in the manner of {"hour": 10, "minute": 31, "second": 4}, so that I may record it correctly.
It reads {"hour": 9, "minute": 46, "second": 38}
